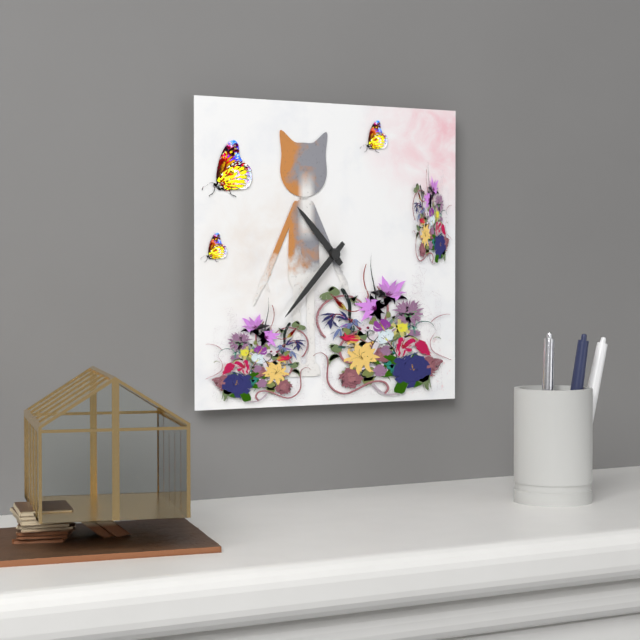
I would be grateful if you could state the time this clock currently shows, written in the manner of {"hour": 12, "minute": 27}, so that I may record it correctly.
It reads {"hour": 10, "minute": 37}
